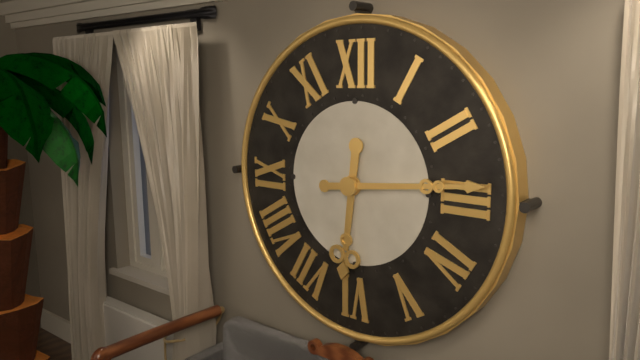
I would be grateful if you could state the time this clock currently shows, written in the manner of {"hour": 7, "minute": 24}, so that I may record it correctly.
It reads {"hour": 6, "minute": 14}
